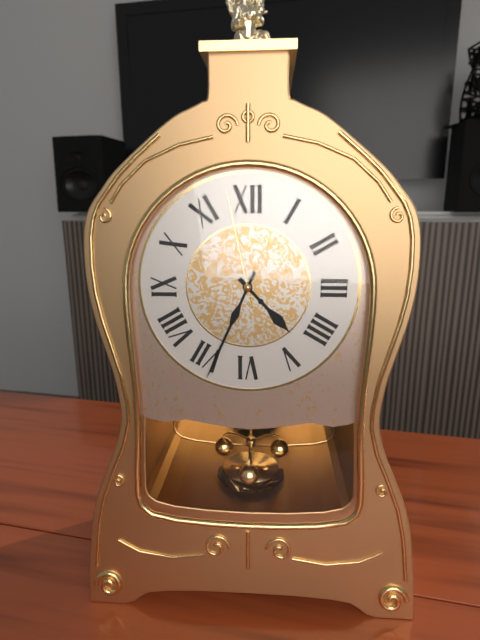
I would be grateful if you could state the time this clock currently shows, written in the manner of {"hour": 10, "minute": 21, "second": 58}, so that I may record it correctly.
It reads {"hour": 4, "minute": 34, "second": 58}
